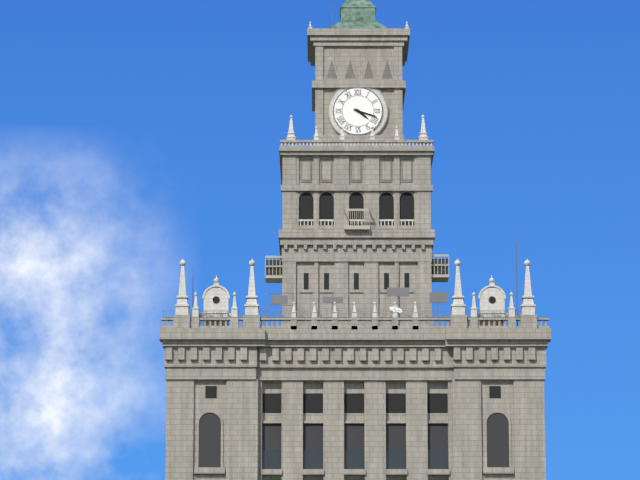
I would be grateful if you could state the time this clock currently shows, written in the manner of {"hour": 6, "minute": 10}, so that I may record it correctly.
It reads {"hour": 4, "minute": 18}
